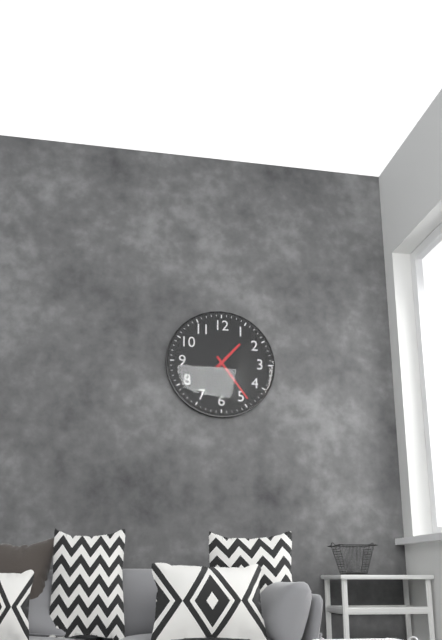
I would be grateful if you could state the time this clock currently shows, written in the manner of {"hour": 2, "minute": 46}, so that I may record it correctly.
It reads {"hour": 1, "minute": 24}
